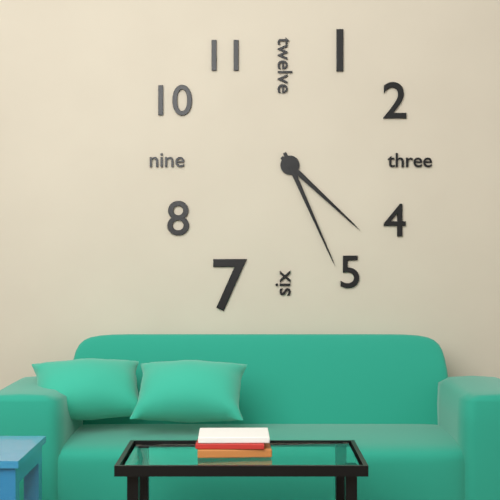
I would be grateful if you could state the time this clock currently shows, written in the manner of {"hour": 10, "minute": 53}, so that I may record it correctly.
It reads {"hour": 4, "minute": 26}
